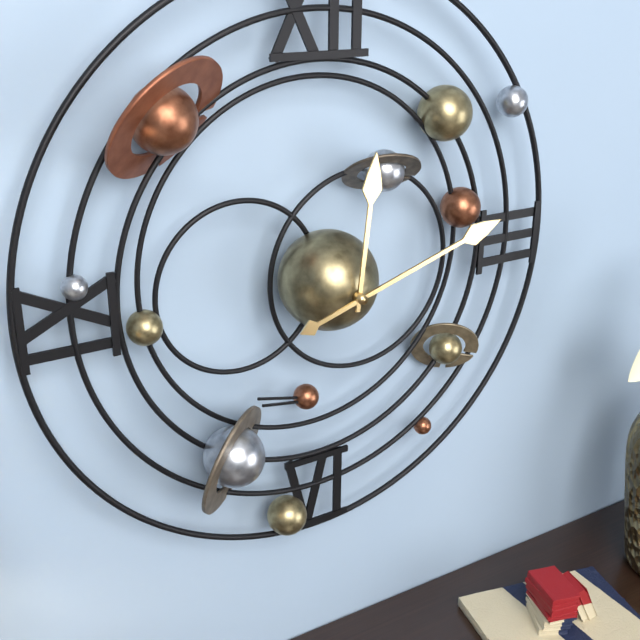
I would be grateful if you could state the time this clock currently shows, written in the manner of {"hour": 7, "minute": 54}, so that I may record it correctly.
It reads {"hour": 12, "minute": 12}
